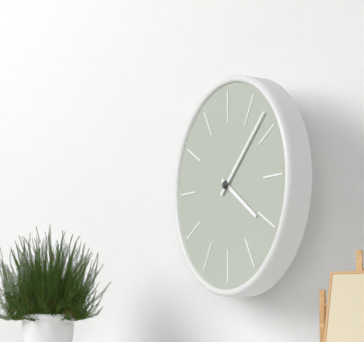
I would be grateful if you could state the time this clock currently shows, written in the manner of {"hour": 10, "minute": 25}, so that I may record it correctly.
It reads {"hour": 4, "minute": 8}
